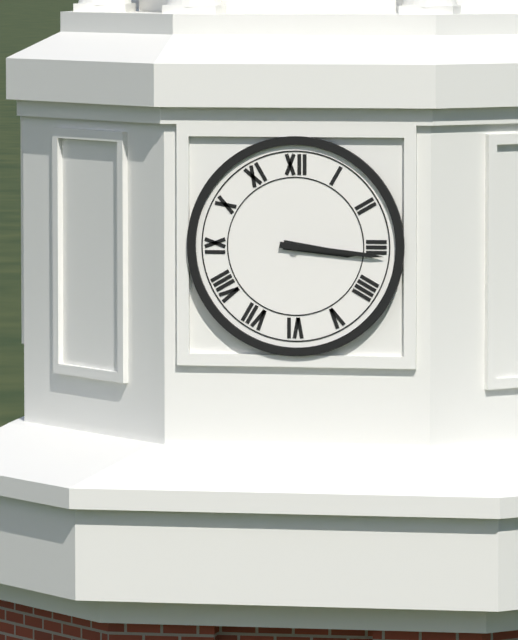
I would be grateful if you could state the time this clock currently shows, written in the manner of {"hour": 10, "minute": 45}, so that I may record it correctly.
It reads {"hour": 3, "minute": 16}
